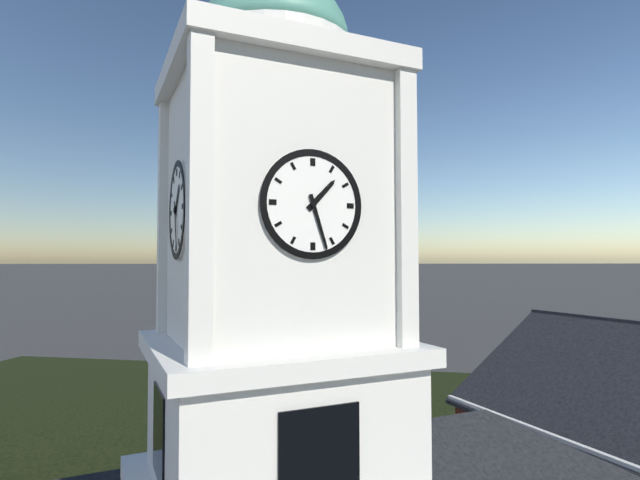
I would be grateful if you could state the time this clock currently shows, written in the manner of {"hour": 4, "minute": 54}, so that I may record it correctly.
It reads {"hour": 1, "minute": 27}
